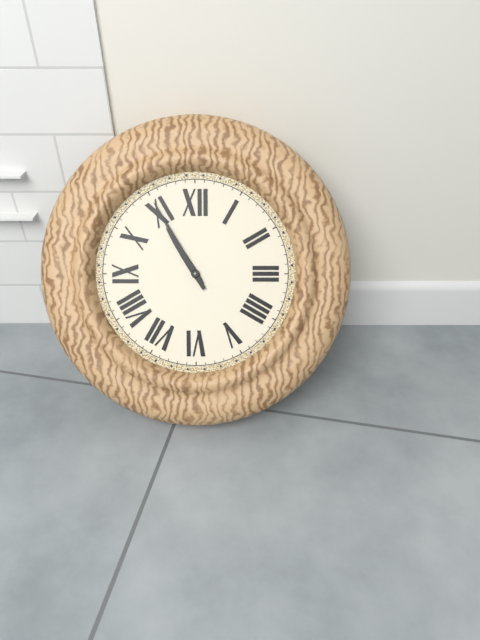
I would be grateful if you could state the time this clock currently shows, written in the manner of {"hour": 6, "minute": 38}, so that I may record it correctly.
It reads {"hour": 10, "minute": 55}
